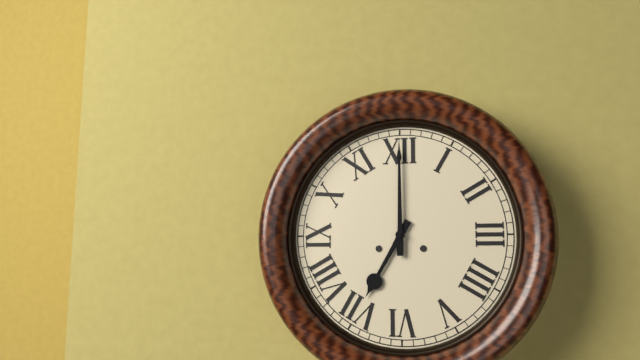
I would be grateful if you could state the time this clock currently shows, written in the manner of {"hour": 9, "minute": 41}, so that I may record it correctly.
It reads {"hour": 7, "minute": 0}
